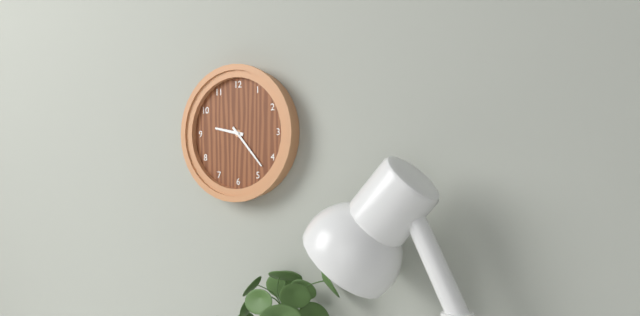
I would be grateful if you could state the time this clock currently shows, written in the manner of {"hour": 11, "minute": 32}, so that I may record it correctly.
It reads {"hour": 9, "minute": 23}
